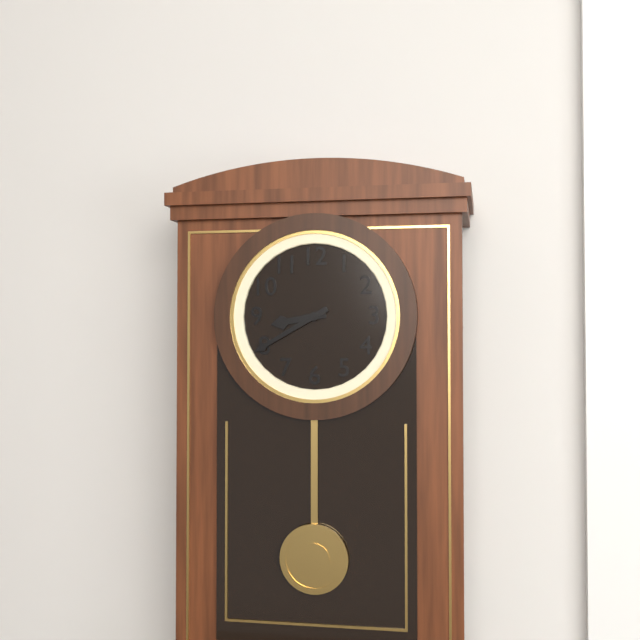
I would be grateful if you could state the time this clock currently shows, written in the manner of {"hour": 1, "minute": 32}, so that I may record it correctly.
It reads {"hour": 8, "minute": 40}
